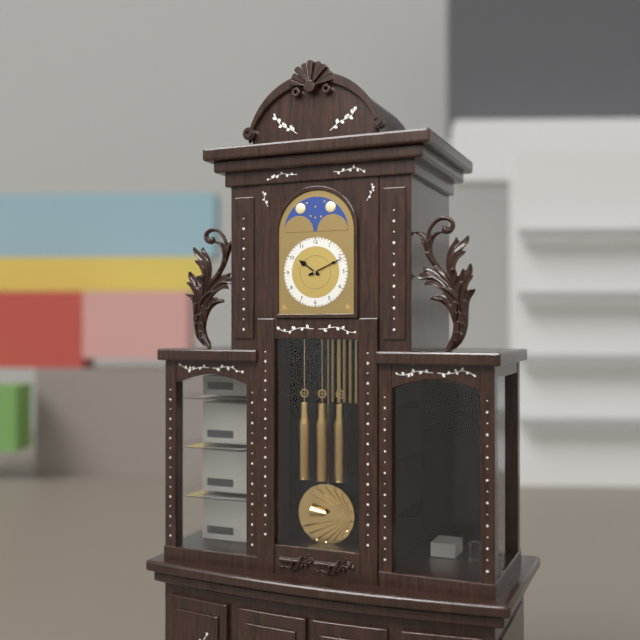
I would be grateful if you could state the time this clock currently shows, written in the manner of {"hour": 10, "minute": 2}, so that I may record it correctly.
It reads {"hour": 10, "minute": 11}
